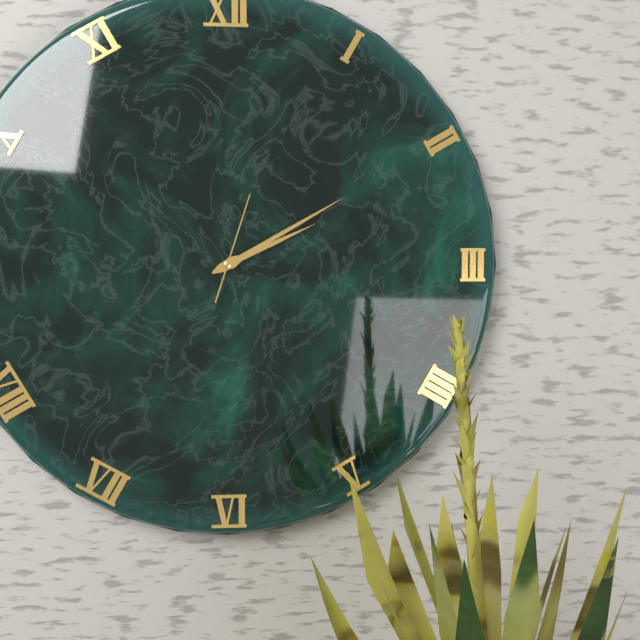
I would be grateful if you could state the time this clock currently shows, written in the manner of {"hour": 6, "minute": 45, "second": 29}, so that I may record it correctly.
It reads {"hour": 2, "minute": 10, "second": 3}
